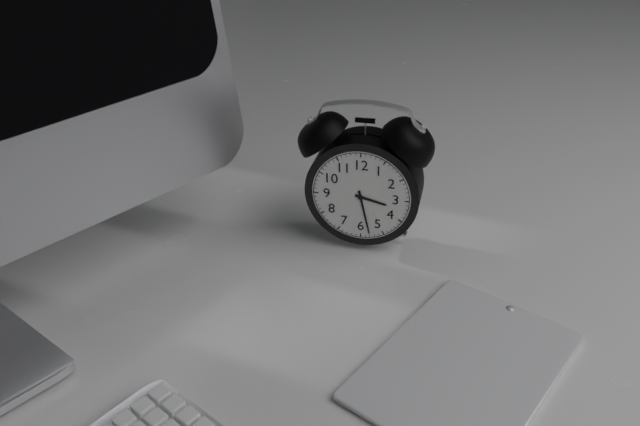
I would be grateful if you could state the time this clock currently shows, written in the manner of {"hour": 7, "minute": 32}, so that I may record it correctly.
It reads {"hour": 3, "minute": 28}
